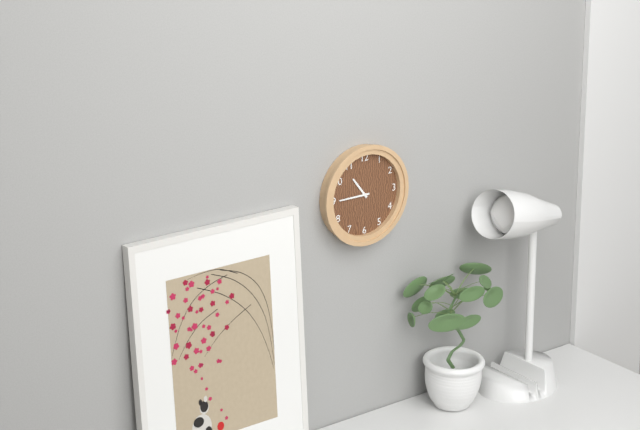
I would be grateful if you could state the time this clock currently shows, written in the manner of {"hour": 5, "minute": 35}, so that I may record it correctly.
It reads {"hour": 10, "minute": 45}
